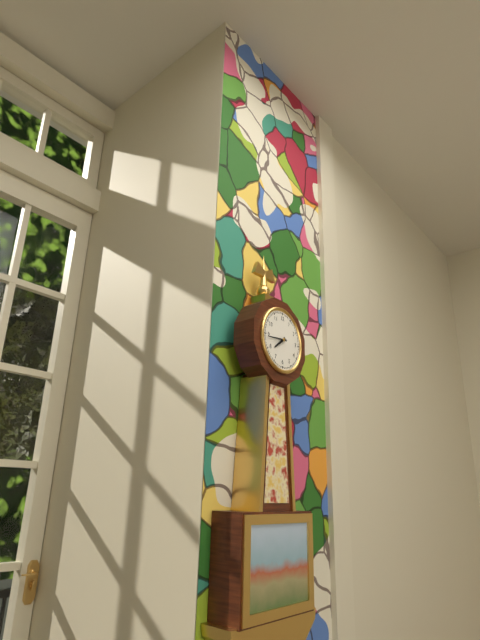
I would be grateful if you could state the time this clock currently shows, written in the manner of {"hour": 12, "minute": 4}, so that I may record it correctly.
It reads {"hour": 7, "minute": 44}
